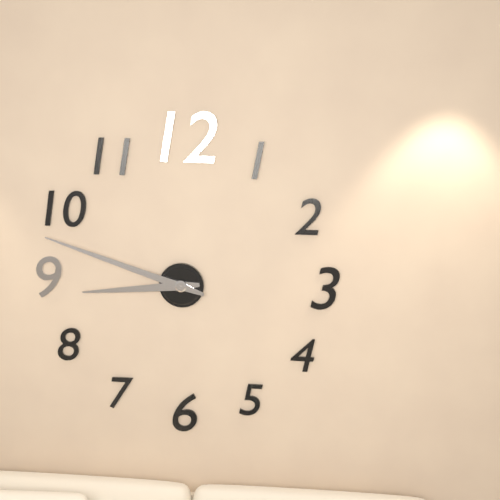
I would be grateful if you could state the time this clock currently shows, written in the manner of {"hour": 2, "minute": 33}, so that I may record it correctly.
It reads {"hour": 8, "minute": 48}
